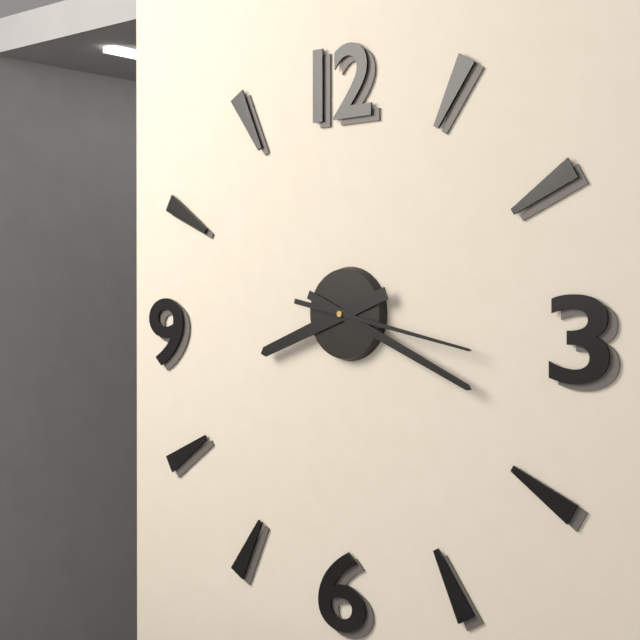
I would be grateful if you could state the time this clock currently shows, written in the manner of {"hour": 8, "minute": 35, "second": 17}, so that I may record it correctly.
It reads {"hour": 8, "minute": 19, "second": 17}
